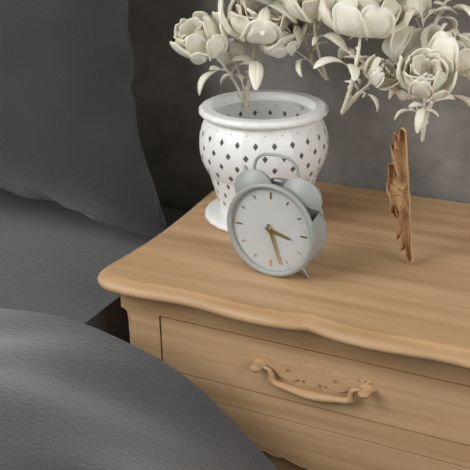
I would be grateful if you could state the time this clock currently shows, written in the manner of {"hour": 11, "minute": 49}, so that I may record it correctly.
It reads {"hour": 3, "minute": 27}
